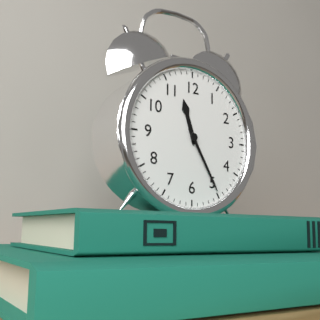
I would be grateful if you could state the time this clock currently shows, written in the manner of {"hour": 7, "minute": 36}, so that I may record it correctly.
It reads {"hour": 11, "minute": 25}
